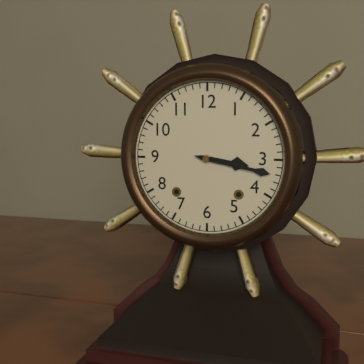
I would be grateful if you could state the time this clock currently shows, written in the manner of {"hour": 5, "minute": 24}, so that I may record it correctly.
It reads {"hour": 3, "minute": 17}
